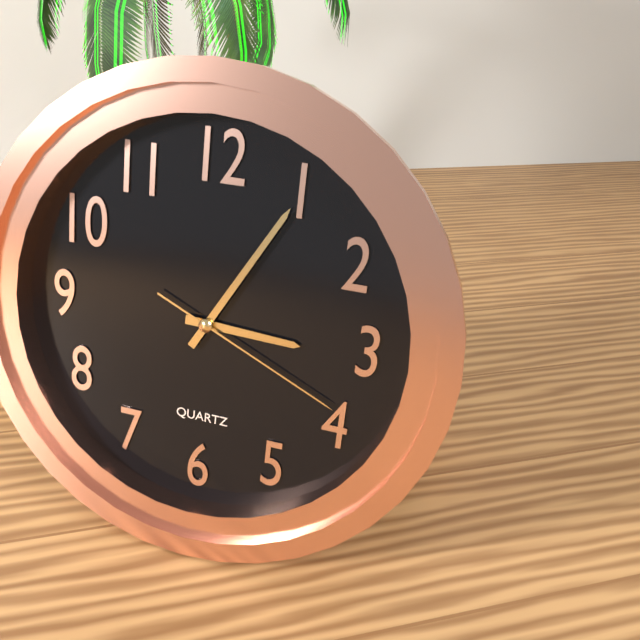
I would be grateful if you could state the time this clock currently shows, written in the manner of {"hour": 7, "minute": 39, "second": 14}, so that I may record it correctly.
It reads {"hour": 3, "minute": 5, "second": 19}
